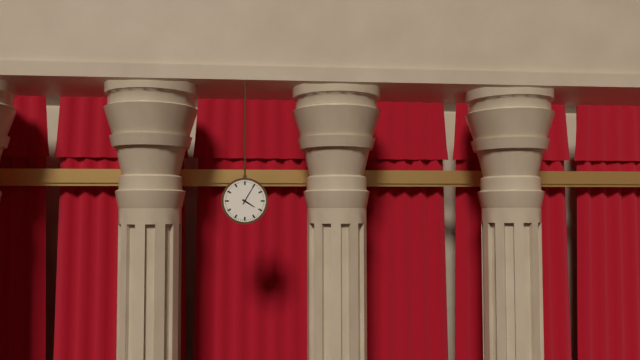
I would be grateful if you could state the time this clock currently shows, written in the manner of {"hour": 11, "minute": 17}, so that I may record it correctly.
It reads {"hour": 4, "minute": 5}
